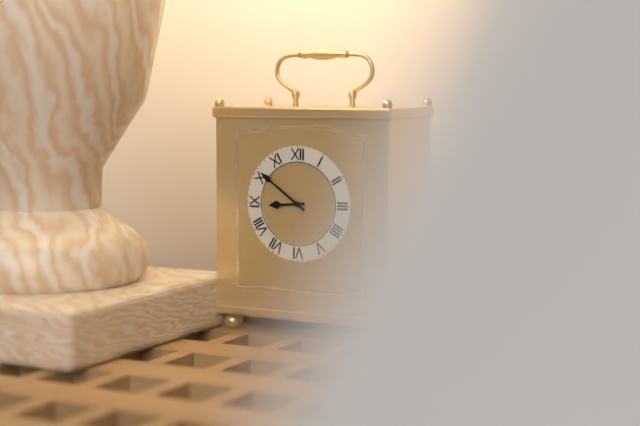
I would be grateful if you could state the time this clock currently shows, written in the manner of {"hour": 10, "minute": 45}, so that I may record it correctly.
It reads {"hour": 8, "minute": 51}
